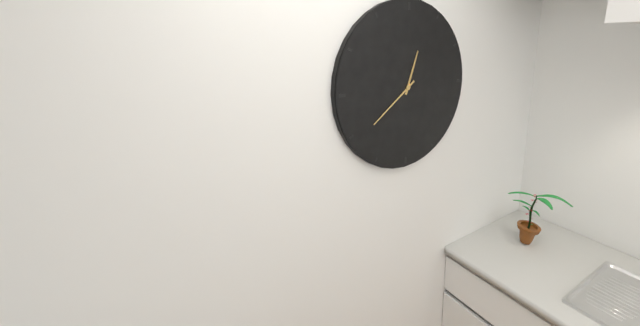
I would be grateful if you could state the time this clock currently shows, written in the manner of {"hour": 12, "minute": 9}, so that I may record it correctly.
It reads {"hour": 12, "minute": 39}
